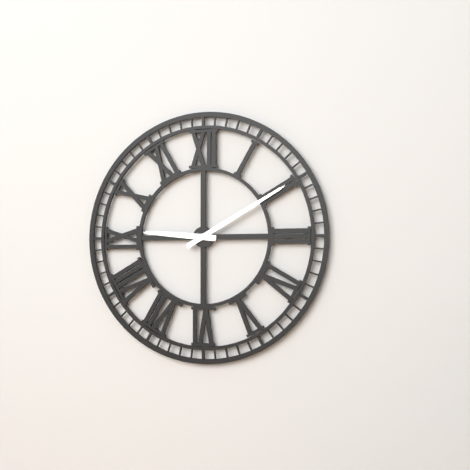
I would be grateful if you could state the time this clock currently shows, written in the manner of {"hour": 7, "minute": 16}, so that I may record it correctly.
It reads {"hour": 9, "minute": 10}
